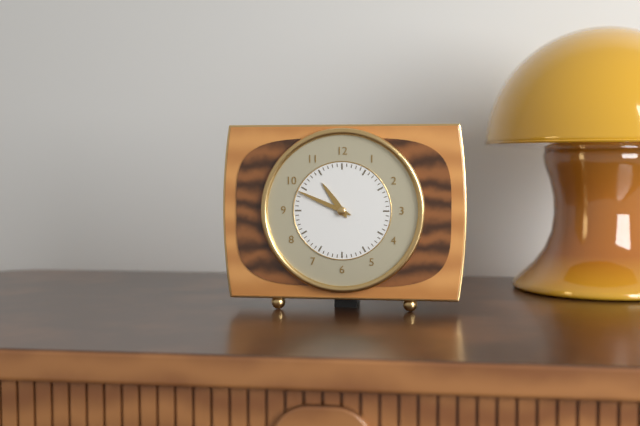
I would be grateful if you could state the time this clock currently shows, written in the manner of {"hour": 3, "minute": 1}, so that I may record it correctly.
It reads {"hour": 10, "minute": 49}
